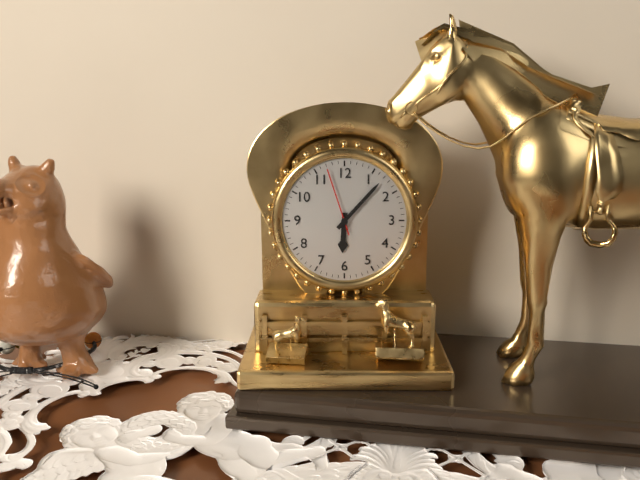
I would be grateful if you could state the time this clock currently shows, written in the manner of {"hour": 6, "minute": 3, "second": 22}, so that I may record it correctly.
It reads {"hour": 6, "minute": 7, "second": 57}
